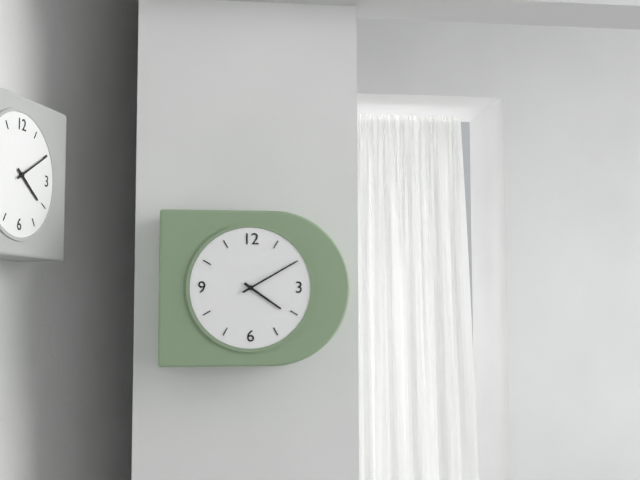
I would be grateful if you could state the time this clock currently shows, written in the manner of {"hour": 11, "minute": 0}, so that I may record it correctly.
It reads {"hour": 4, "minute": 10}
